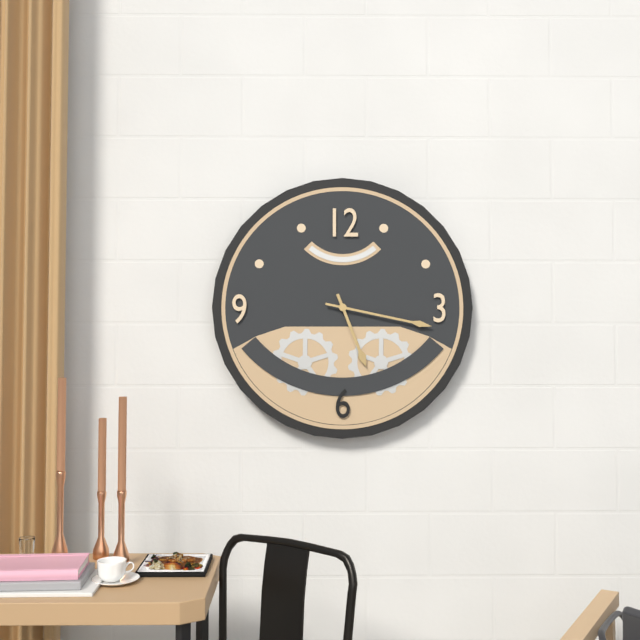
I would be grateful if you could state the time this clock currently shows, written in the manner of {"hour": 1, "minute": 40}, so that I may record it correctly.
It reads {"hour": 5, "minute": 17}
